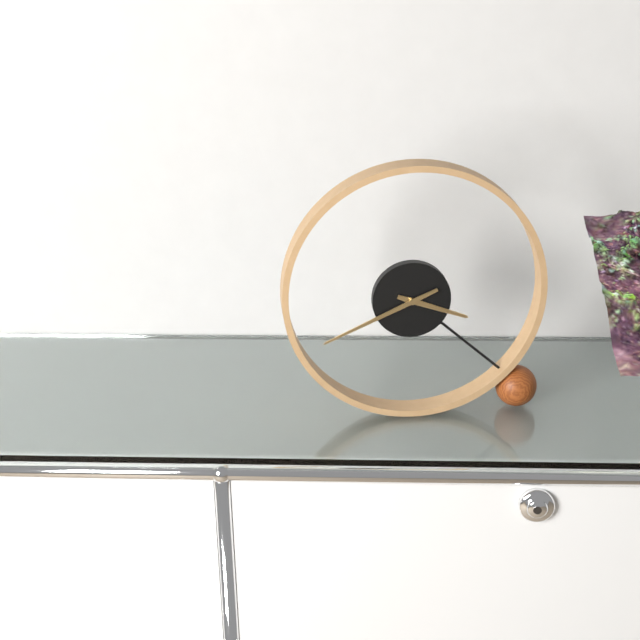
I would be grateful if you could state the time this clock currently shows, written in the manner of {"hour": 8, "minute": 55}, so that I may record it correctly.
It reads {"hour": 3, "minute": 41}
